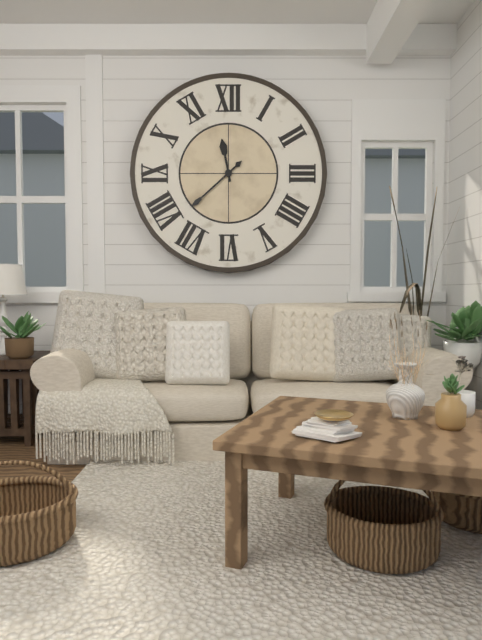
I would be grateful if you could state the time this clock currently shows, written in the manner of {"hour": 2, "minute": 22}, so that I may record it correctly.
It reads {"hour": 11, "minute": 38}
